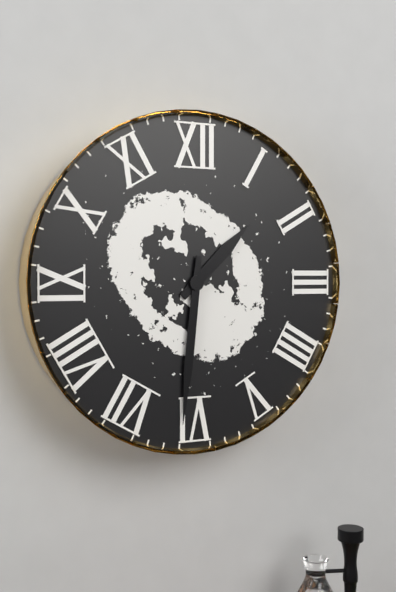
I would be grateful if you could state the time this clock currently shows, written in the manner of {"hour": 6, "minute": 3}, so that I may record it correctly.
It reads {"hour": 1, "minute": 31}
